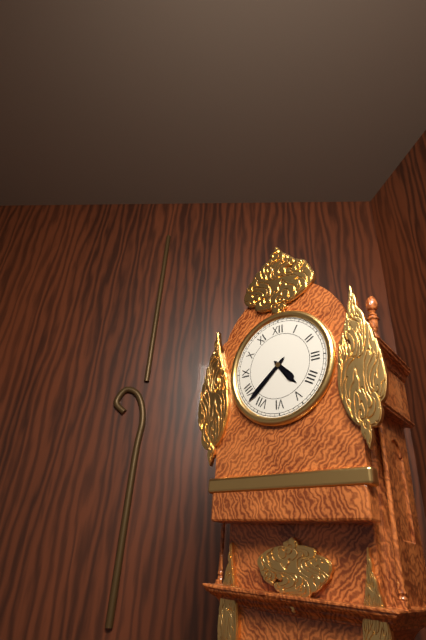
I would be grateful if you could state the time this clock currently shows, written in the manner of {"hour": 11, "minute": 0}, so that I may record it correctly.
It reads {"hour": 4, "minute": 38}
